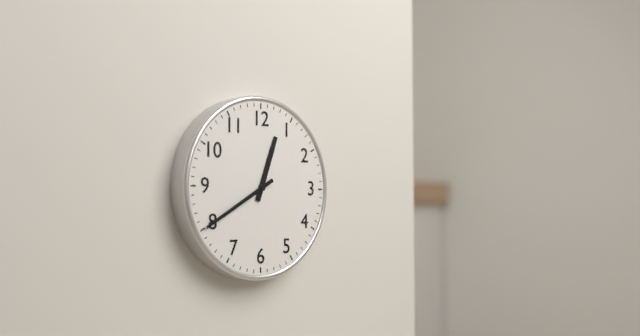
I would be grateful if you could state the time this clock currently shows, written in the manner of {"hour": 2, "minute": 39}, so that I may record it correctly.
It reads {"hour": 12, "minute": 40}
